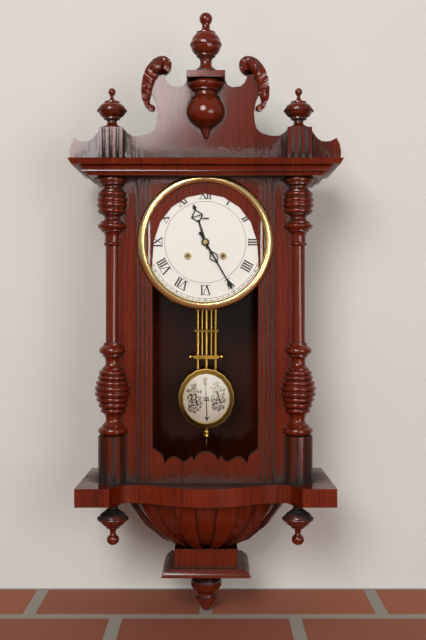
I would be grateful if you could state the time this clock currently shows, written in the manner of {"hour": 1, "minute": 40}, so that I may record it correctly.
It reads {"hour": 11, "minute": 25}
